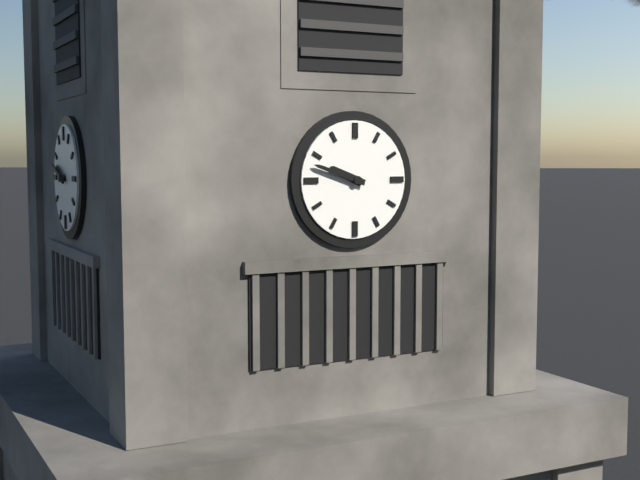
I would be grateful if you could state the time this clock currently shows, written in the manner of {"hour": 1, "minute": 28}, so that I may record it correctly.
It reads {"hour": 9, "minute": 48}
